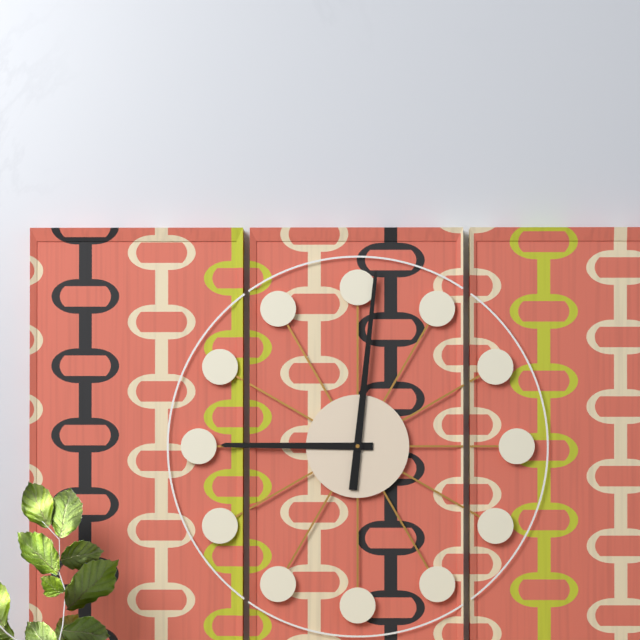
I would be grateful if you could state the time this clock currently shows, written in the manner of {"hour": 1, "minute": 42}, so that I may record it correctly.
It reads {"hour": 9, "minute": 1}
